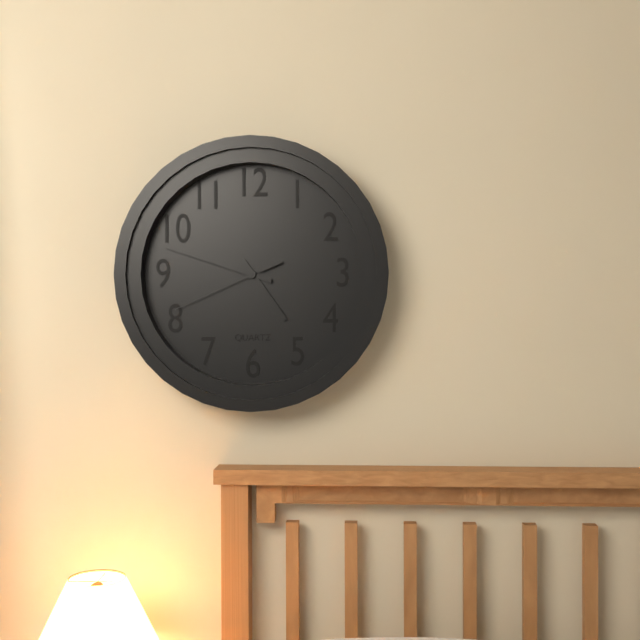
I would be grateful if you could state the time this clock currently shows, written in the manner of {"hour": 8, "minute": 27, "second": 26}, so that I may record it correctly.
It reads {"hour": 4, "minute": 48, "second": 41}
